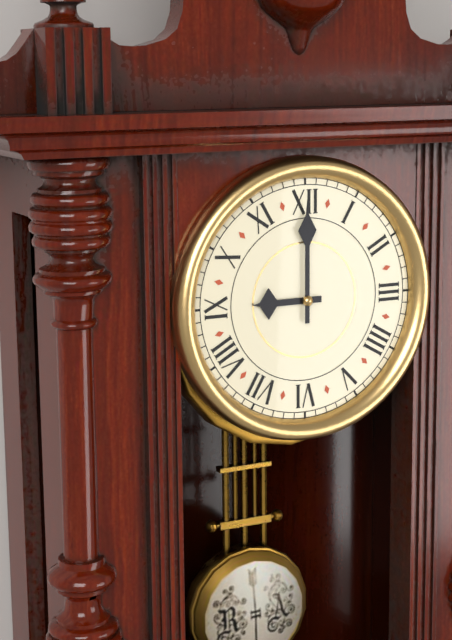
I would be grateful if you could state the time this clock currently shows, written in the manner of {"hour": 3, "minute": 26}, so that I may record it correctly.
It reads {"hour": 9, "minute": 0}
